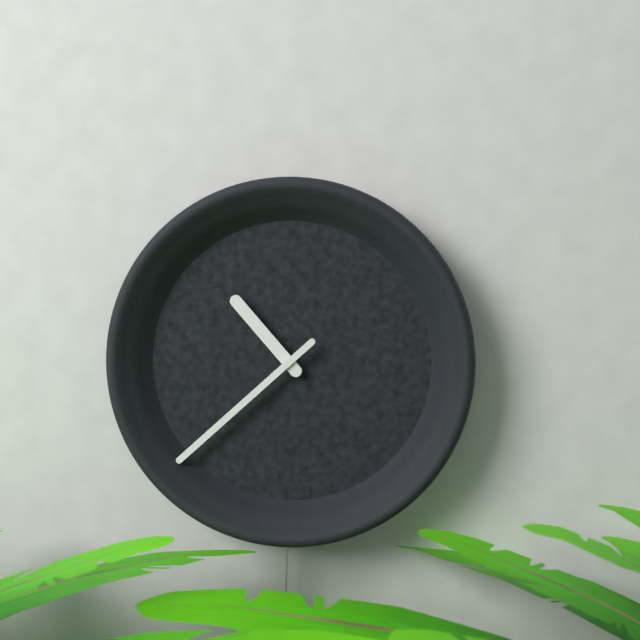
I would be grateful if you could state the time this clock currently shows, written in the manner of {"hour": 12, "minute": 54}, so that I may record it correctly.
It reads {"hour": 10, "minute": 38}
